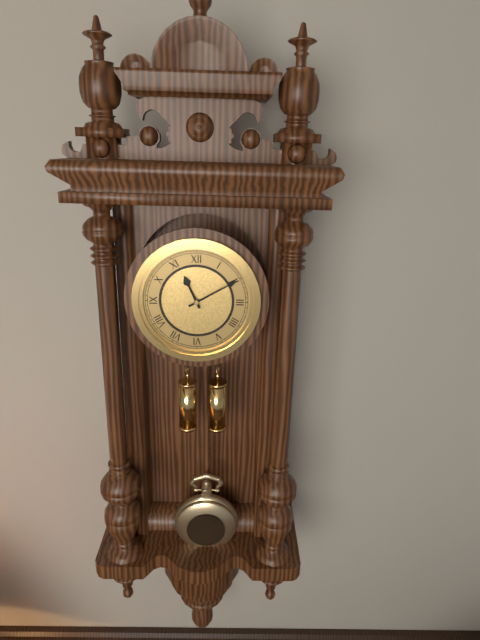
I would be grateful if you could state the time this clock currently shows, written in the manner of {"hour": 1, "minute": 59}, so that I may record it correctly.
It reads {"hour": 11, "minute": 10}
